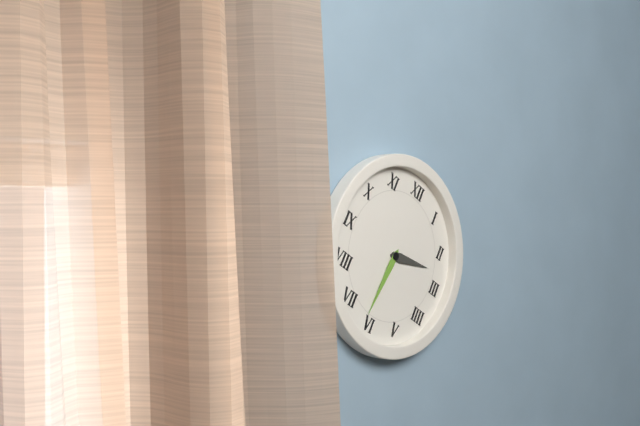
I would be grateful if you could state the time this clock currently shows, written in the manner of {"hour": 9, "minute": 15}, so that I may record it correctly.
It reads {"hour": 2, "minute": 31}
